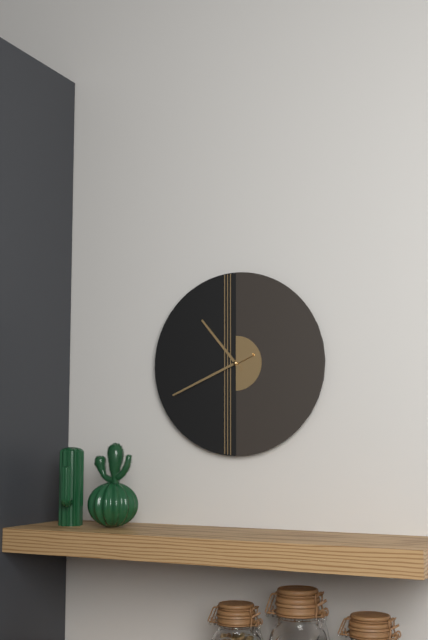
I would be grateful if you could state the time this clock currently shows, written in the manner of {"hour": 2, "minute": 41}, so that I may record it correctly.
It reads {"hour": 10, "minute": 41}
